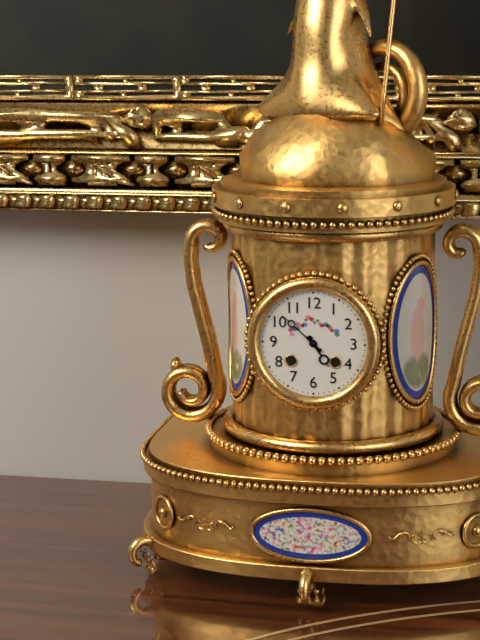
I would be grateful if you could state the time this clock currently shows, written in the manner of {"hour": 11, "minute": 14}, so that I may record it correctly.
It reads {"hour": 4, "minute": 52}
